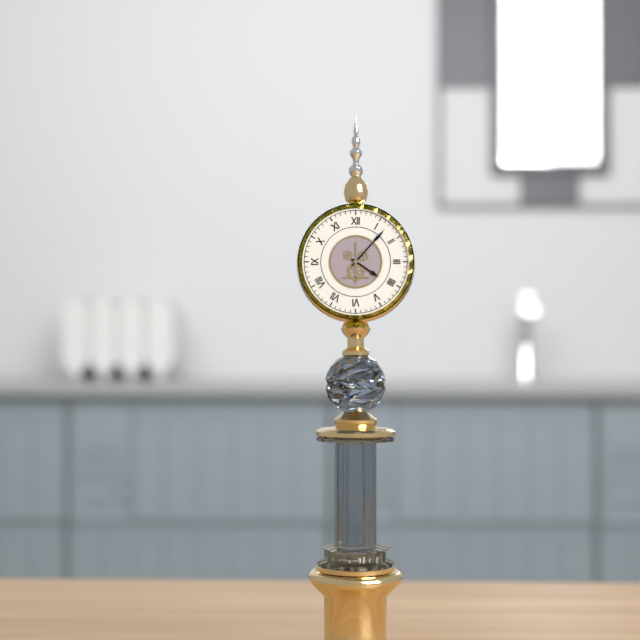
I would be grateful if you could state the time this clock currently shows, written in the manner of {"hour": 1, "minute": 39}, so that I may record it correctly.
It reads {"hour": 4, "minute": 7}
